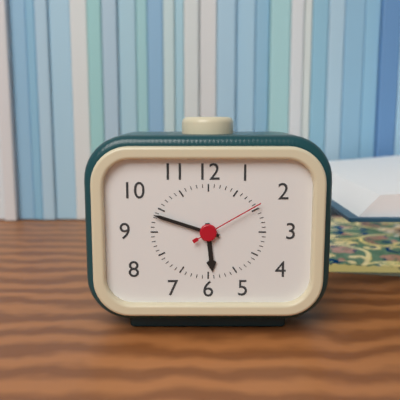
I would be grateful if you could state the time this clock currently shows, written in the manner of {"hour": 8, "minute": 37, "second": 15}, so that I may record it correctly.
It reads {"hour": 5, "minute": 48, "second": 10}
